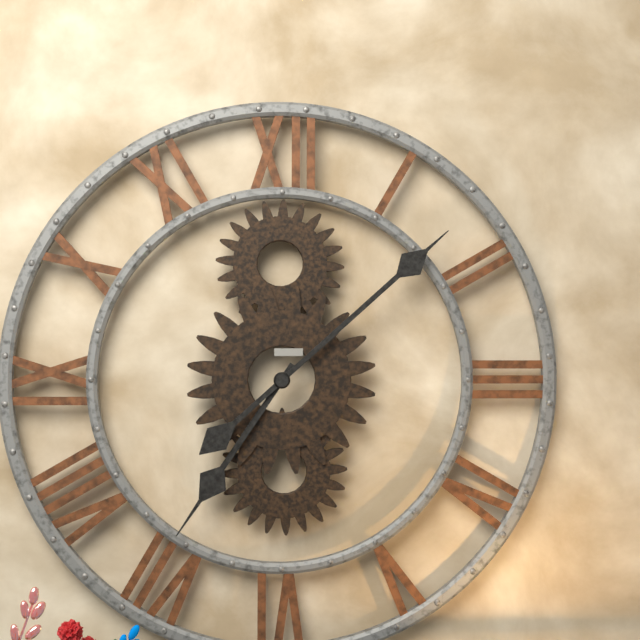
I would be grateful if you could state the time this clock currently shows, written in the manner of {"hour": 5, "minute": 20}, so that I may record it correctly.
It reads {"hour": 7, "minute": 8}
